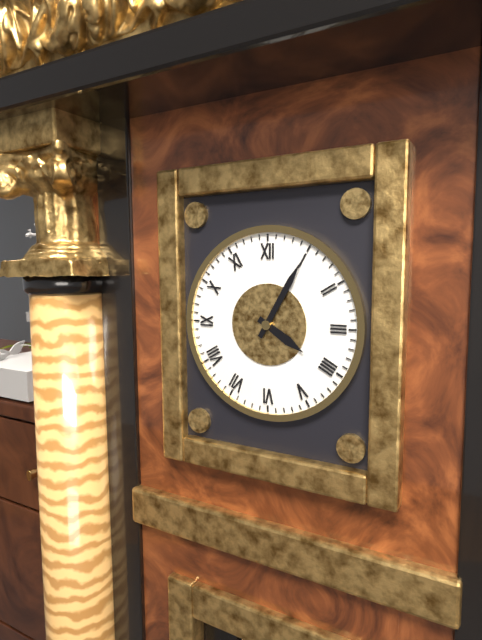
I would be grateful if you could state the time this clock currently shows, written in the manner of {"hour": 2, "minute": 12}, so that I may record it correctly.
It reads {"hour": 4, "minute": 5}
